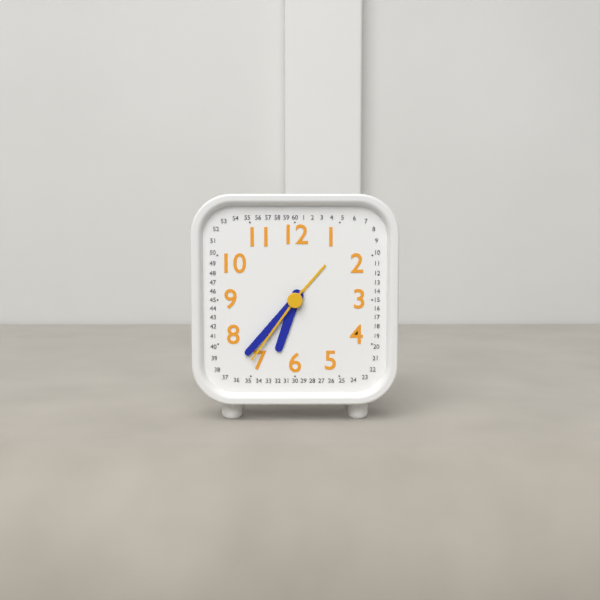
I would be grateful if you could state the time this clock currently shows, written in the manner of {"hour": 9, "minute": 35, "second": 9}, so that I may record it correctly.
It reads {"hour": 6, "minute": 37, "second": 36}
